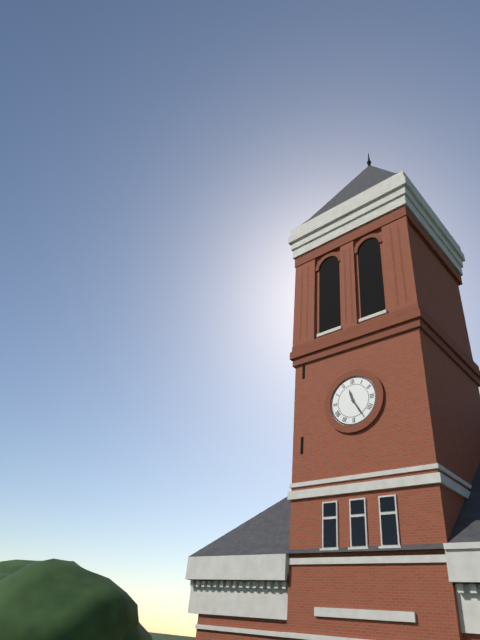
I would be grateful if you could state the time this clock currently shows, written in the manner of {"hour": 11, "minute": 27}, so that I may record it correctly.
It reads {"hour": 11, "minute": 25}
